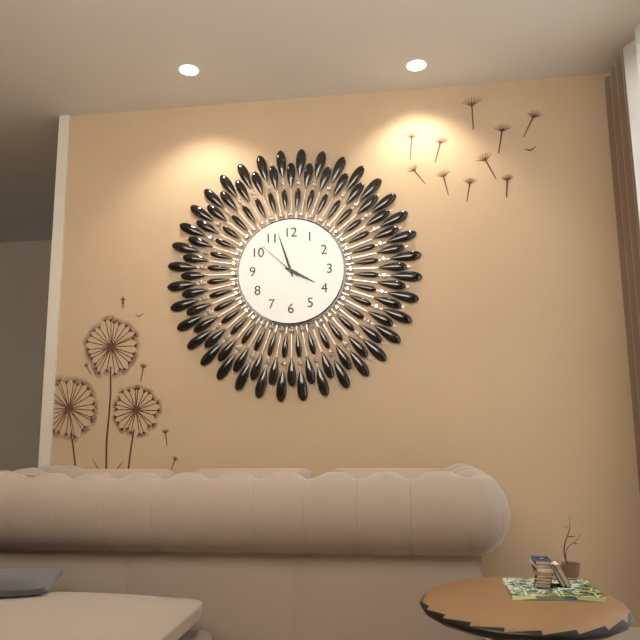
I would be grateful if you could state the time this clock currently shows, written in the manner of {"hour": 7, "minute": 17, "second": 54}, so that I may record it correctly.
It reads {"hour": 3, "minute": 57, "second": 52}
